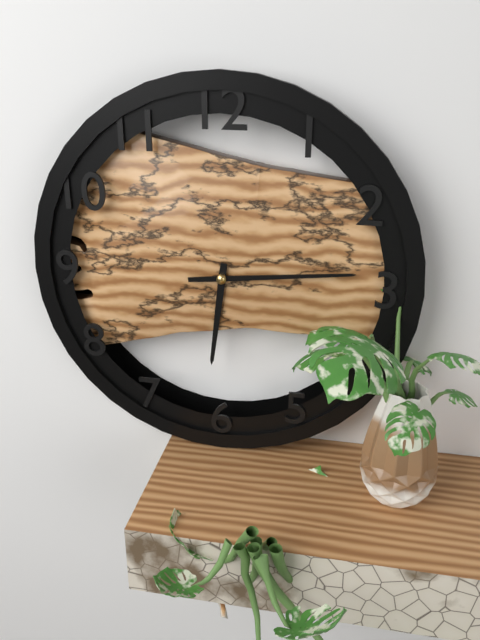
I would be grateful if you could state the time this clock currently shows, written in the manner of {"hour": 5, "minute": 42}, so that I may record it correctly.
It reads {"hour": 6, "minute": 14}
